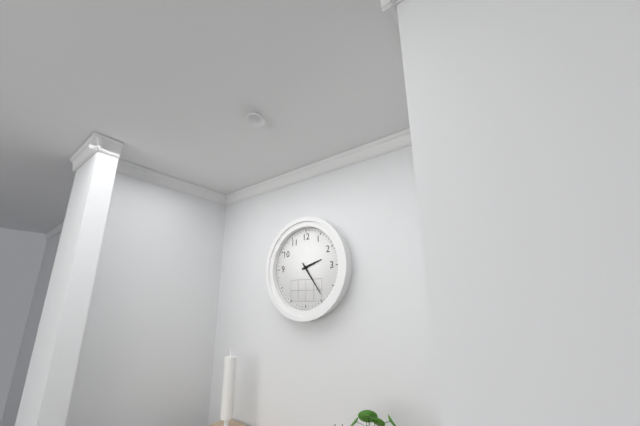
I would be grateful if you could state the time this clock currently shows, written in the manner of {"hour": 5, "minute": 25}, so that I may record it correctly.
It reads {"hour": 2, "minute": 24}
